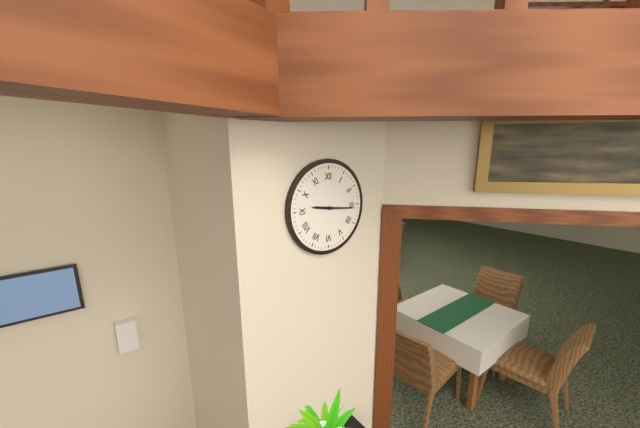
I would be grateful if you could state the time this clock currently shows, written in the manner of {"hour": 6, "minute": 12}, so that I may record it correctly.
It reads {"hour": 9, "minute": 16}
